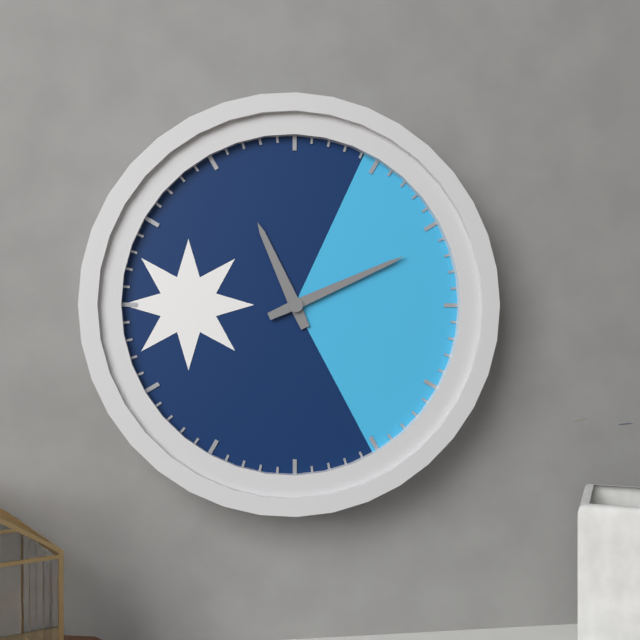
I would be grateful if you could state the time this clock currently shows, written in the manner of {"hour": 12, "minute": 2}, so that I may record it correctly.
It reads {"hour": 11, "minute": 11}
